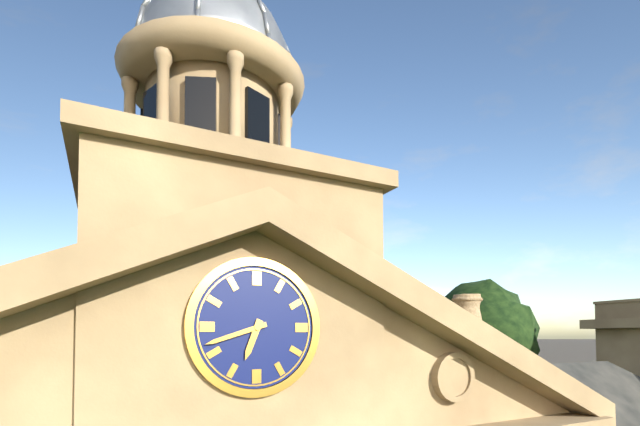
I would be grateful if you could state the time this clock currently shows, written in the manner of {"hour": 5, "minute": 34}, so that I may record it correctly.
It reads {"hour": 6, "minute": 42}
